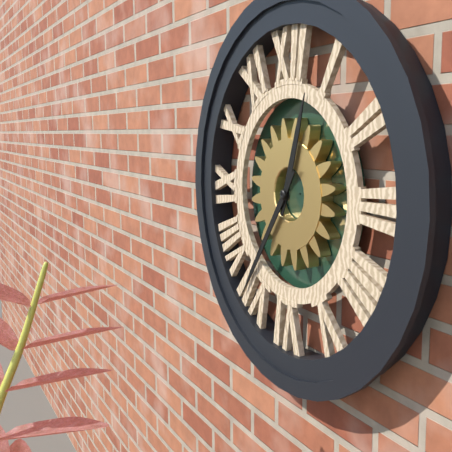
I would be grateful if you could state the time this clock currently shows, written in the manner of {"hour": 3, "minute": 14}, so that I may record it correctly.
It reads {"hour": 12, "minute": 36}
